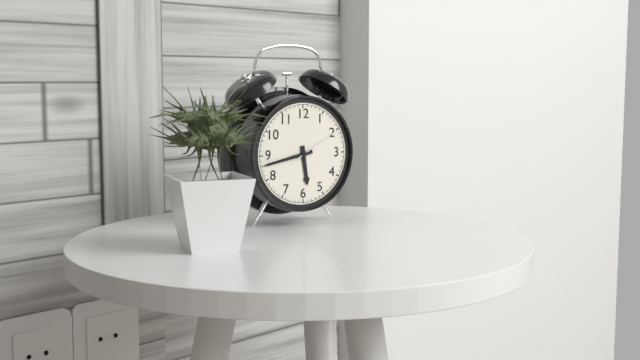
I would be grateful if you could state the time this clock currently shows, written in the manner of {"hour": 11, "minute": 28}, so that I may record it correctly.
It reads {"hour": 5, "minute": 43}
